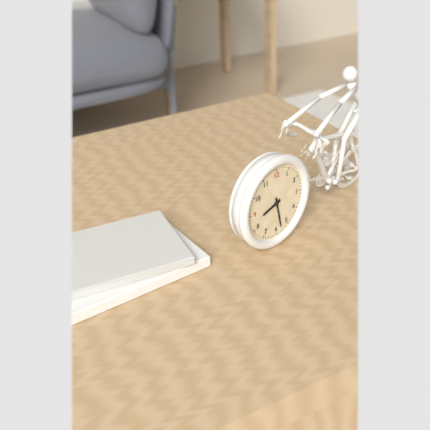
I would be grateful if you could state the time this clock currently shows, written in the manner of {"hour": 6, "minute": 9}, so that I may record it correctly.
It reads {"hour": 8, "minute": 28}
